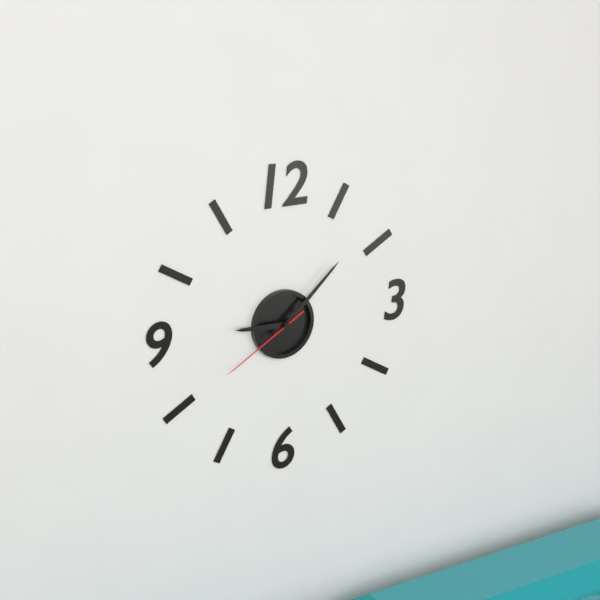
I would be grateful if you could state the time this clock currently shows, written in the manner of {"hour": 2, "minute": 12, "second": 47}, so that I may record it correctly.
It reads {"hour": 9, "minute": 8, "second": 40}
